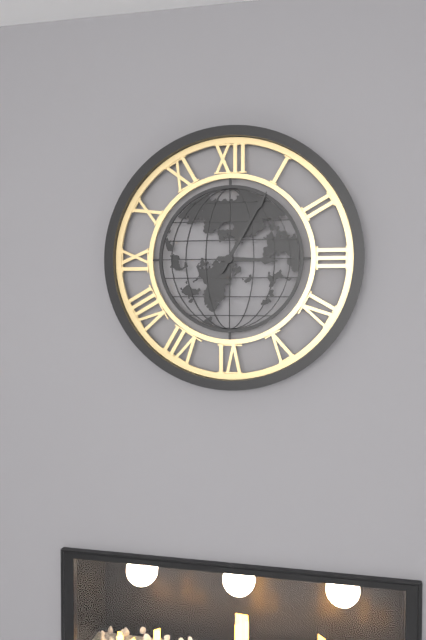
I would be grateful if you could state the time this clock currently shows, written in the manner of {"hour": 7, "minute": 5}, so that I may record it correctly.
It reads {"hour": 3, "minute": 5}
